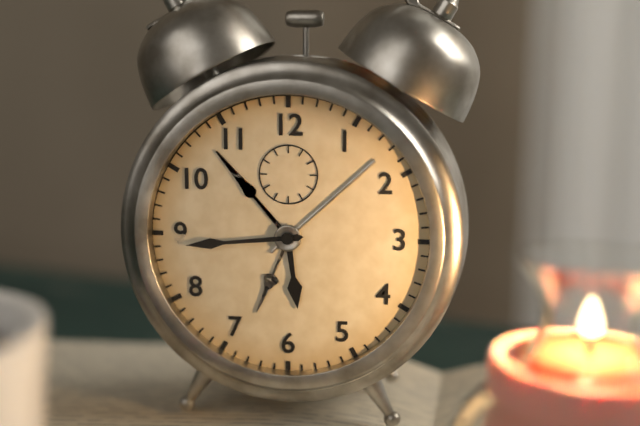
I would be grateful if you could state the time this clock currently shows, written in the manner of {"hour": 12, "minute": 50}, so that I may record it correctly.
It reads {"hour": 5, "minute": 44}
